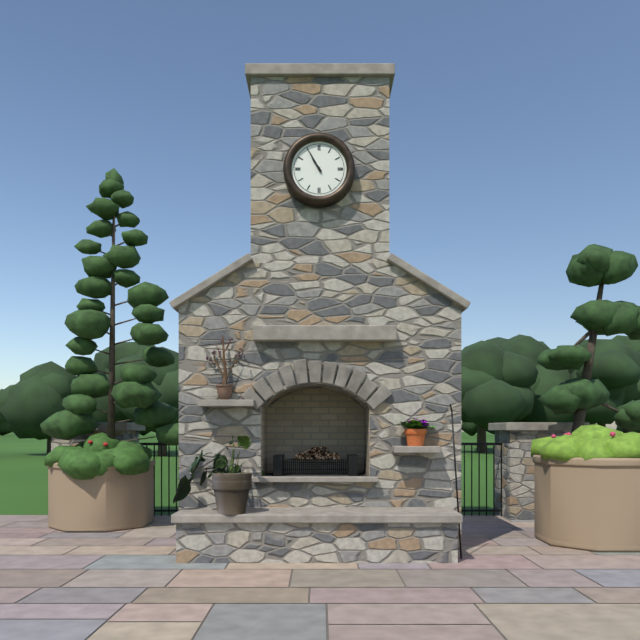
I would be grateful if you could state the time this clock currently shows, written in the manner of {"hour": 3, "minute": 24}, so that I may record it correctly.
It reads {"hour": 10, "minute": 55}
